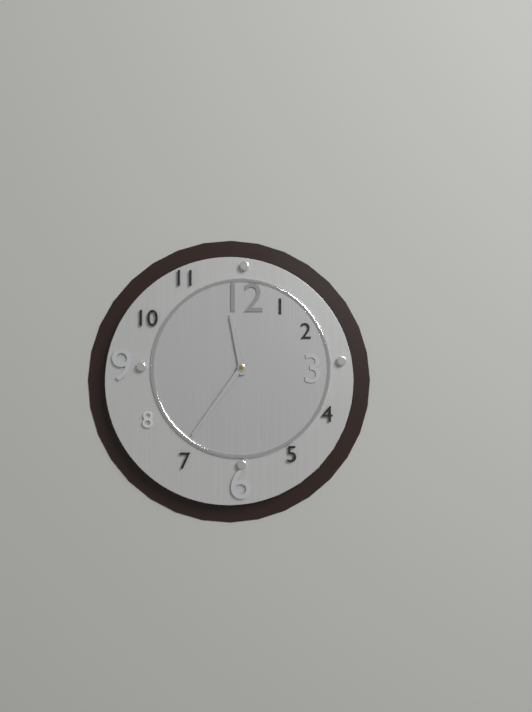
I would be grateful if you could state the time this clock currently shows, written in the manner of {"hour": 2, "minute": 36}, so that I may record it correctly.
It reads {"hour": 11, "minute": 36}
